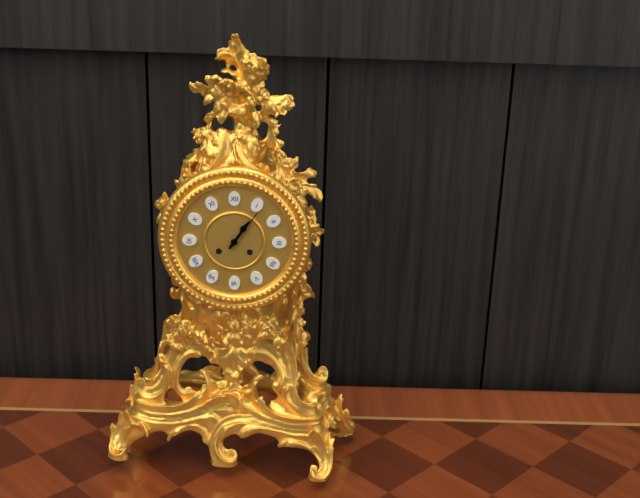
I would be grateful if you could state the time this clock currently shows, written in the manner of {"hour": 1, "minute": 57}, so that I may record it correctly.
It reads {"hour": 1, "minute": 6}
